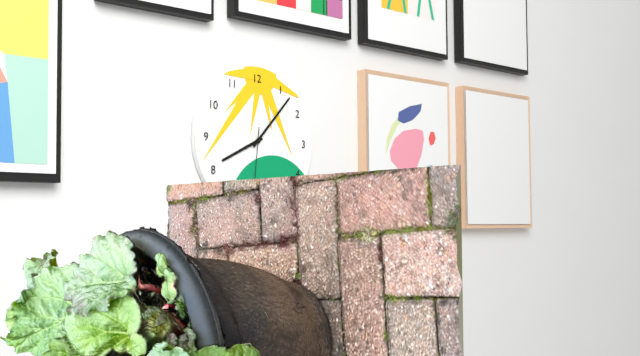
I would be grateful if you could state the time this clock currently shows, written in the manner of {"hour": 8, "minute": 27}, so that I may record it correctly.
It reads {"hour": 8, "minute": 7}
